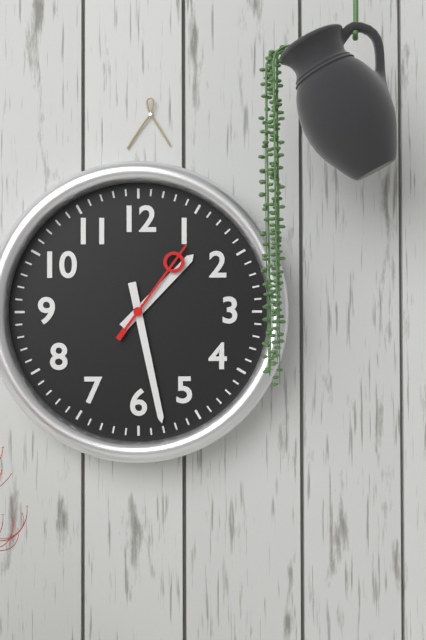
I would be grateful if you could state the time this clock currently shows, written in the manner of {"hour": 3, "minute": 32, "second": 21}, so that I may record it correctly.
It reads {"hour": 1, "minute": 28, "second": 6}
